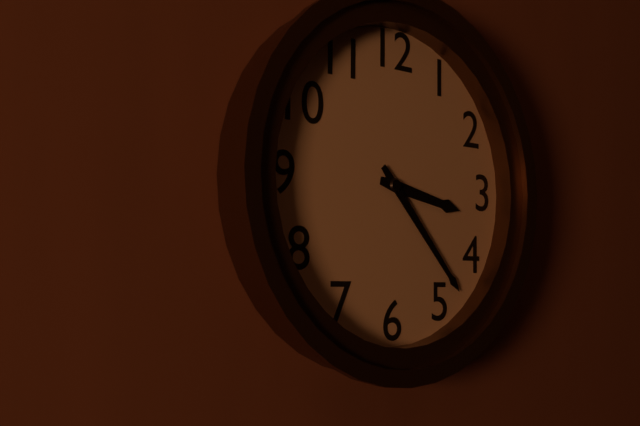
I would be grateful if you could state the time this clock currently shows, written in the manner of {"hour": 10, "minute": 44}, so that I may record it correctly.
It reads {"hour": 3, "minute": 23}
